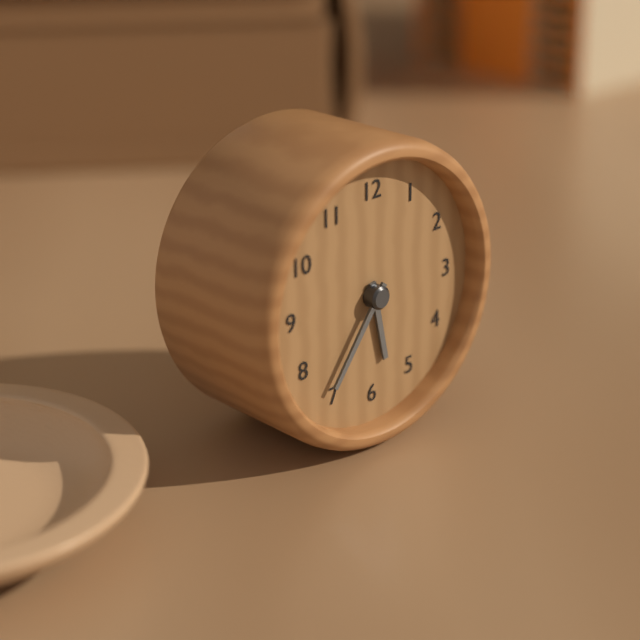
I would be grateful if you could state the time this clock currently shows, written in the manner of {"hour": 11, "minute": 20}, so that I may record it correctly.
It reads {"hour": 5, "minute": 36}
